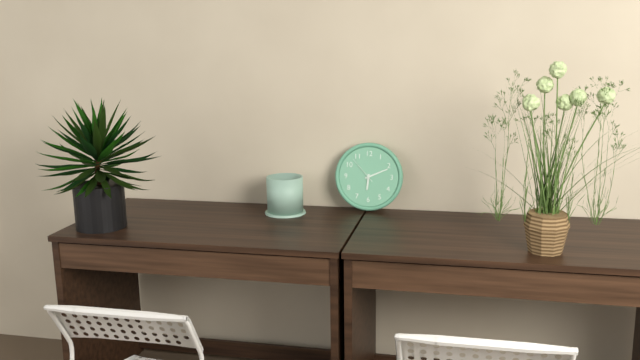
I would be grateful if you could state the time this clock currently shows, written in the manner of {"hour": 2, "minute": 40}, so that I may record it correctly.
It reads {"hour": 6, "minute": 11}
